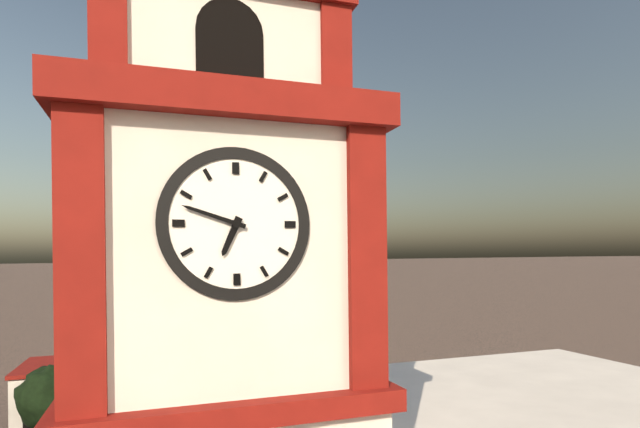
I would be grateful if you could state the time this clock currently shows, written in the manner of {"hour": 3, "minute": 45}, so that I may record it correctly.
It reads {"hour": 6, "minute": 48}
